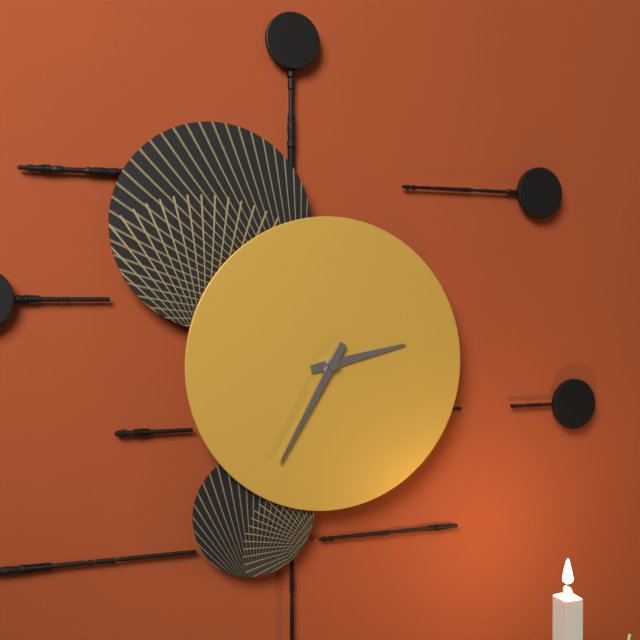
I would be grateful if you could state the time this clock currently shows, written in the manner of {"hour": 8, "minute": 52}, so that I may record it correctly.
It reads {"hour": 2, "minute": 35}
